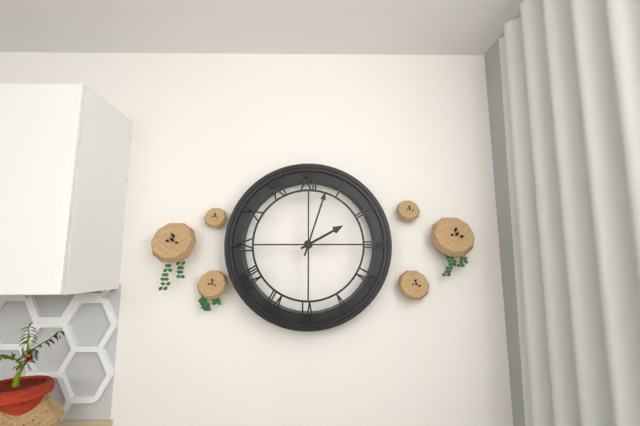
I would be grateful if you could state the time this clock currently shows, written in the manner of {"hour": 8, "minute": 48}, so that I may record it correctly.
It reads {"hour": 2, "minute": 3}
